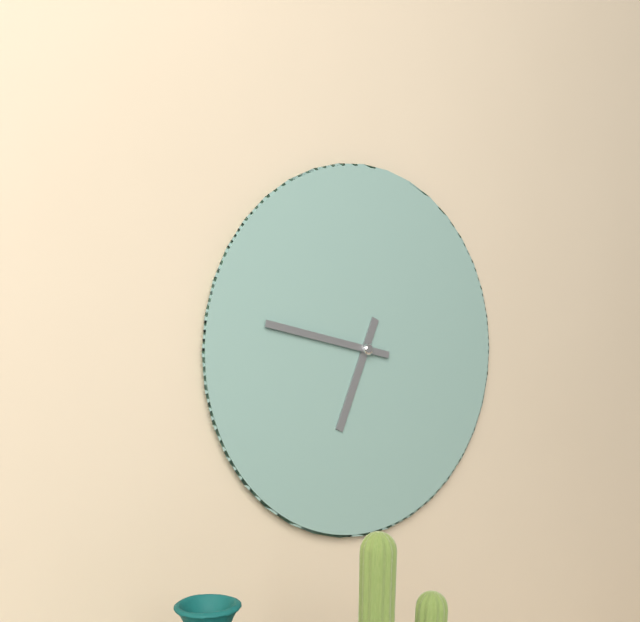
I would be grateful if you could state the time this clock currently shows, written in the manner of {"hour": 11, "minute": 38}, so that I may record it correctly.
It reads {"hour": 6, "minute": 47}
